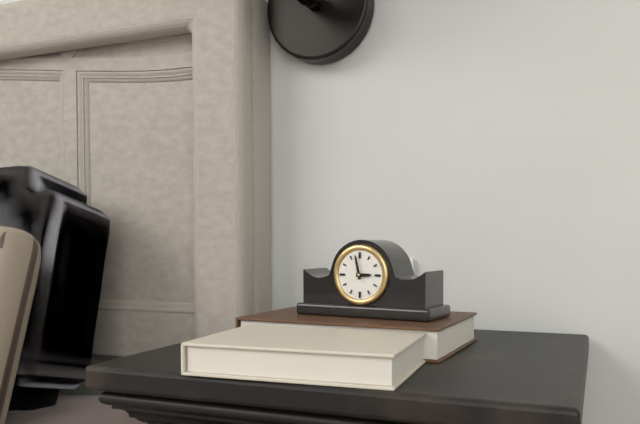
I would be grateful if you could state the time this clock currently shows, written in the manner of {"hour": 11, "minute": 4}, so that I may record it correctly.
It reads {"hour": 2, "minute": 58}
